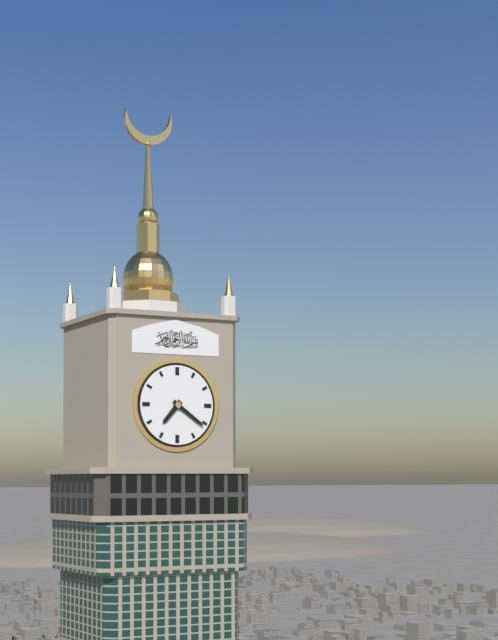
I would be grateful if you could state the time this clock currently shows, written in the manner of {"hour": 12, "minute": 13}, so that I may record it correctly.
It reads {"hour": 7, "minute": 21}
